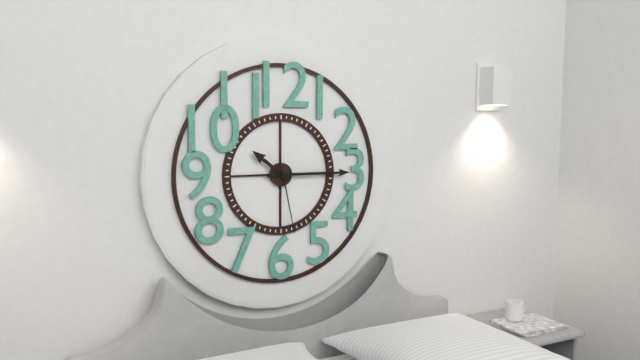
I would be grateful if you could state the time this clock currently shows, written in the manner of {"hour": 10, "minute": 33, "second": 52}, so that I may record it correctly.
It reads {"hour": 10, "minute": 15, "second": 28}
